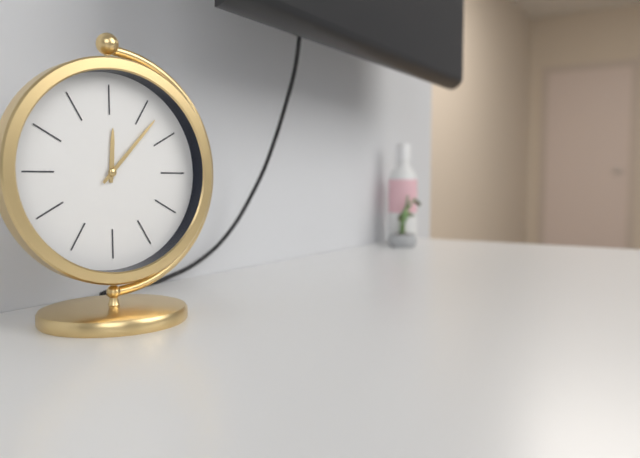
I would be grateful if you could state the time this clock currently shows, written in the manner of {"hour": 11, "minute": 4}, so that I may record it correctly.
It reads {"hour": 12, "minute": 7}
